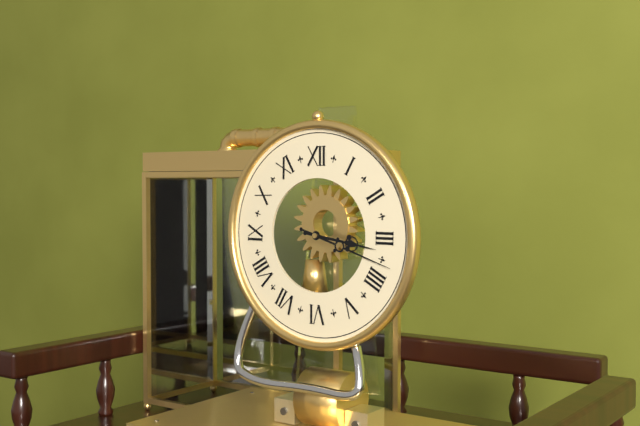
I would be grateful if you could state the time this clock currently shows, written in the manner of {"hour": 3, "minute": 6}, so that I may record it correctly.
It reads {"hour": 3, "minute": 18}
